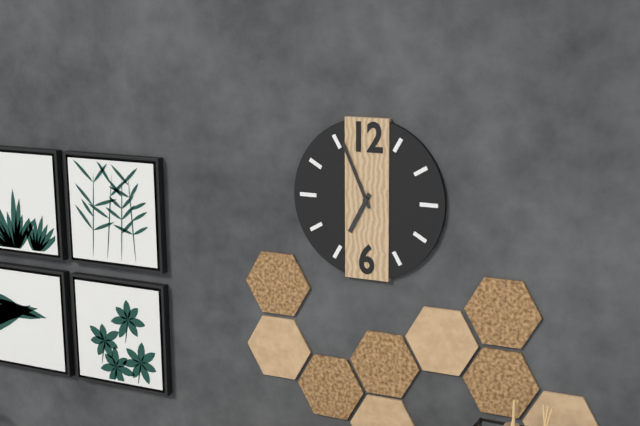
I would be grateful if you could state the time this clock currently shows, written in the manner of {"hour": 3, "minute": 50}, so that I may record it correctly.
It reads {"hour": 6, "minute": 56}
